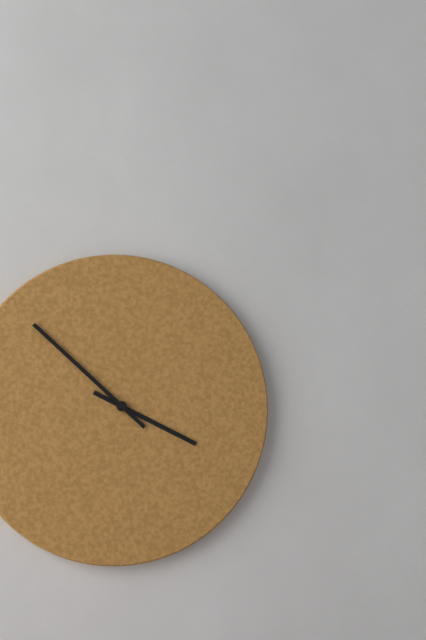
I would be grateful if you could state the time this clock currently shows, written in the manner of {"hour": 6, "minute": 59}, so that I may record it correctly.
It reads {"hour": 3, "minute": 52}
